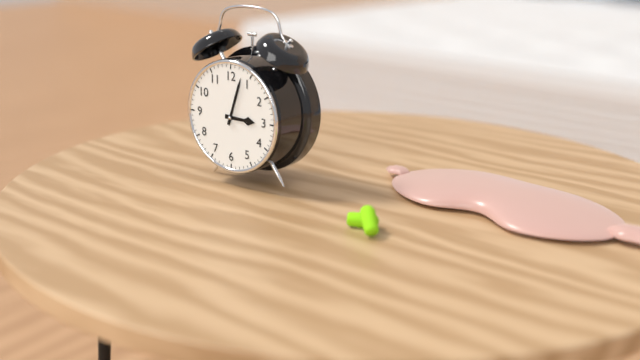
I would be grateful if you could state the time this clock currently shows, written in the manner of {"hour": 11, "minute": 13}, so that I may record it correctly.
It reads {"hour": 3, "minute": 3}
